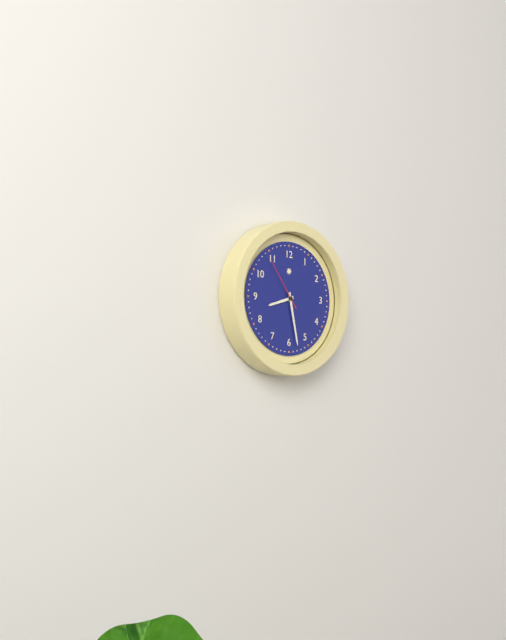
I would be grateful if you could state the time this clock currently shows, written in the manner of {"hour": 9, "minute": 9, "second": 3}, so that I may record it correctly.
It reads {"hour": 8, "minute": 28, "second": 54}
